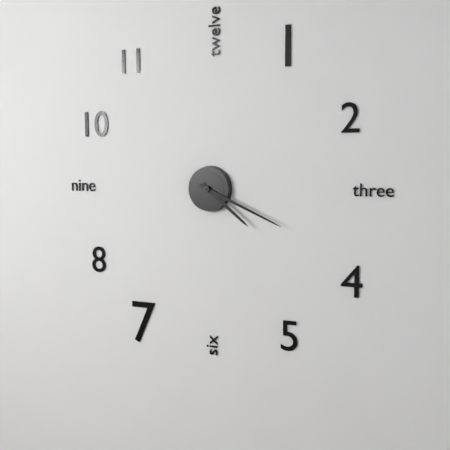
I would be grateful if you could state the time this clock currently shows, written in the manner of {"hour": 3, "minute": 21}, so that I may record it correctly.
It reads {"hour": 4, "minute": 19}
